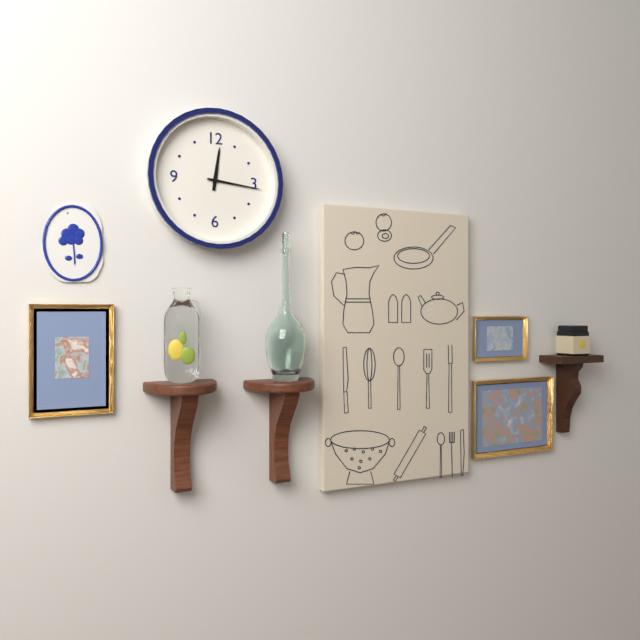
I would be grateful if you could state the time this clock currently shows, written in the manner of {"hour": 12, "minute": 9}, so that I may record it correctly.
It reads {"hour": 12, "minute": 16}
